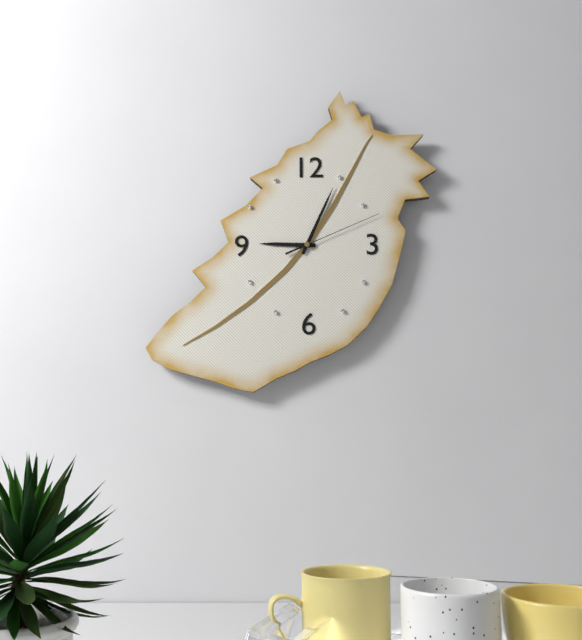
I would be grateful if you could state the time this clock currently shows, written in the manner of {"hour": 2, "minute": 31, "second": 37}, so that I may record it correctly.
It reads {"hour": 9, "minute": 4, "second": 11}
